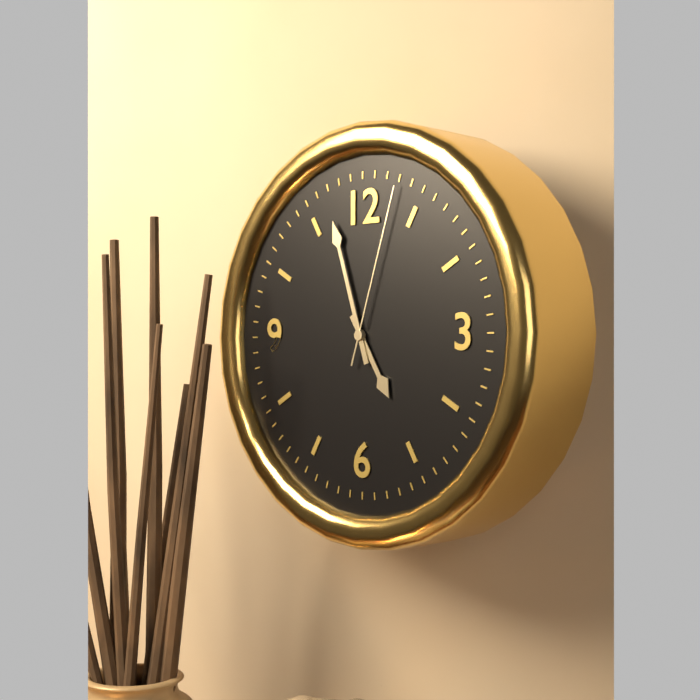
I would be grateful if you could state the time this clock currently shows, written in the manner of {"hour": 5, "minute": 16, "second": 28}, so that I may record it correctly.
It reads {"hour": 4, "minute": 57, "second": 3}
